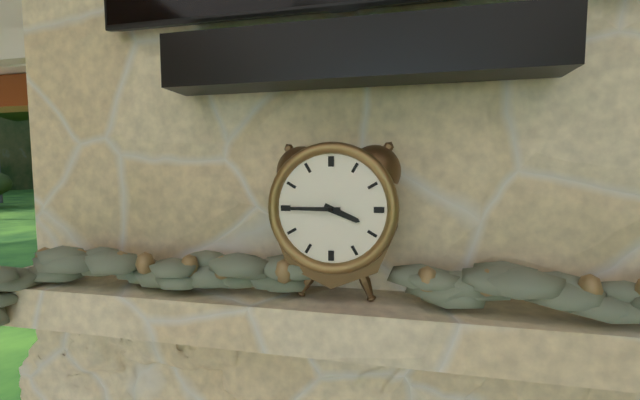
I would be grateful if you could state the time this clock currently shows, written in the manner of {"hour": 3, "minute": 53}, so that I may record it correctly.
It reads {"hour": 3, "minute": 45}
